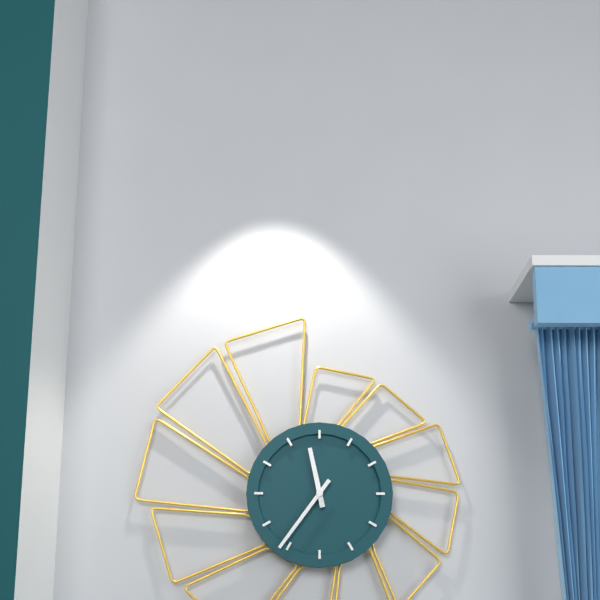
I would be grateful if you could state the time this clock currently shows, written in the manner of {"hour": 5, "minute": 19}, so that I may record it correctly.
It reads {"hour": 11, "minute": 36}
